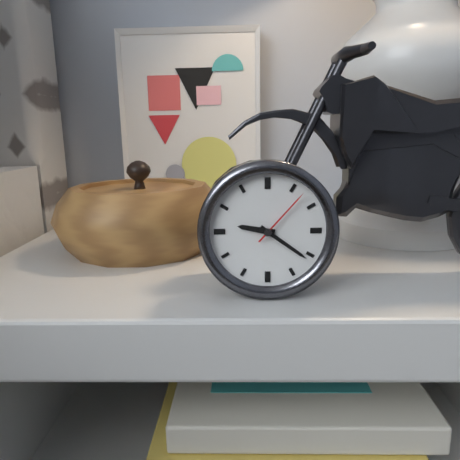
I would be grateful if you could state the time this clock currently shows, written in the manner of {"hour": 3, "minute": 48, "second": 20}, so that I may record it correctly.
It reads {"hour": 9, "minute": 21, "second": 7}
